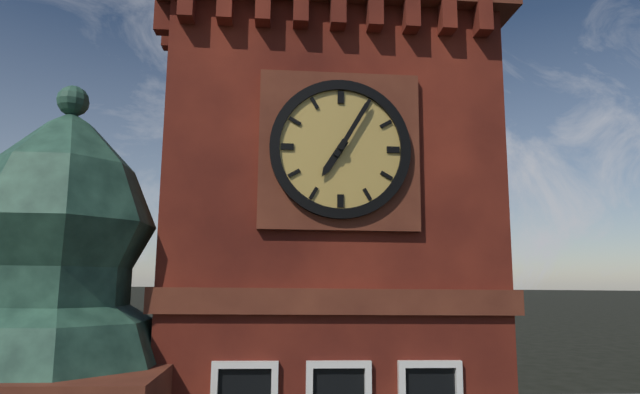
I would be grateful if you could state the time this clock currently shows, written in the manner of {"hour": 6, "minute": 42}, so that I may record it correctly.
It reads {"hour": 7, "minute": 5}
